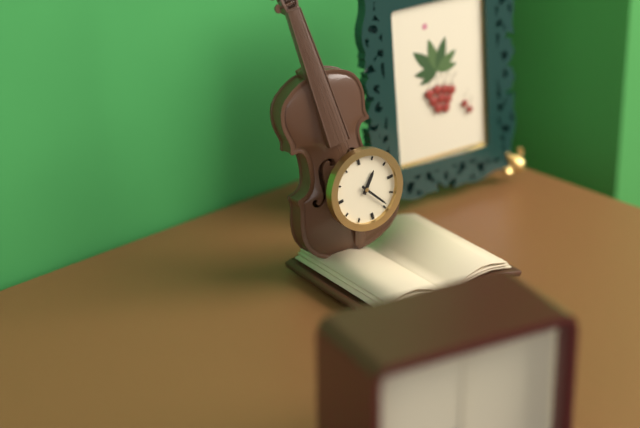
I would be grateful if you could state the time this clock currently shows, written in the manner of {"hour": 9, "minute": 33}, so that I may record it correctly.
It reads {"hour": 1, "minute": 24}
